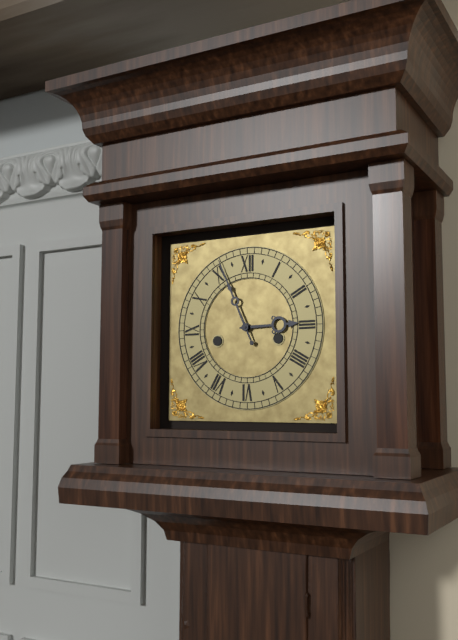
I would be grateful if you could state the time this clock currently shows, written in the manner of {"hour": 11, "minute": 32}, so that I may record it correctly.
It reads {"hour": 2, "minute": 56}
